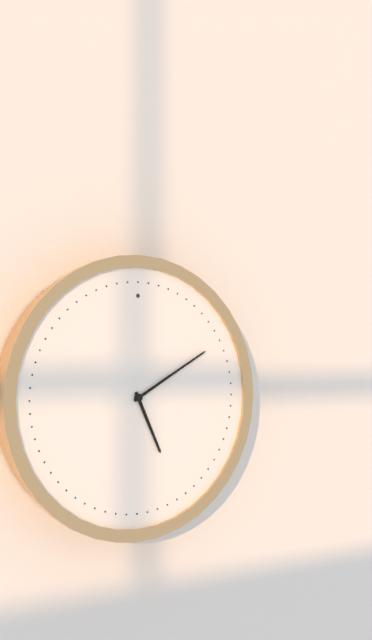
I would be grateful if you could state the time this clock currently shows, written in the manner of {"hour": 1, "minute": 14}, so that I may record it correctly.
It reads {"hour": 5, "minute": 10}
